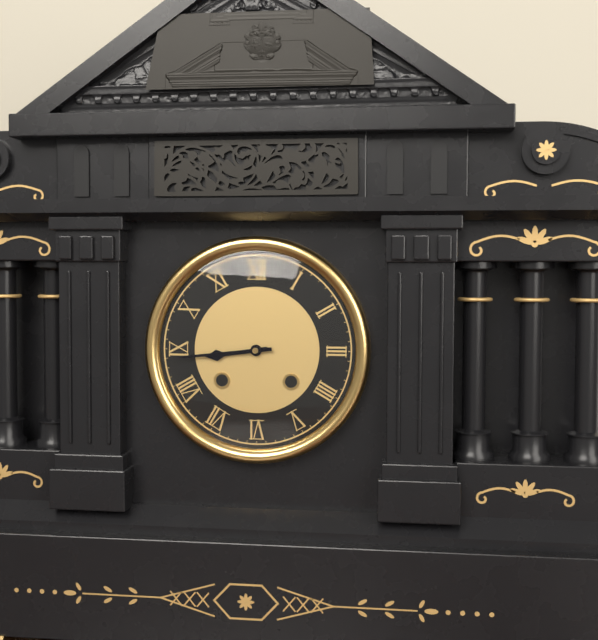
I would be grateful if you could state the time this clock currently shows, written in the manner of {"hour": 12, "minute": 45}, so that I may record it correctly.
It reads {"hour": 8, "minute": 44}
